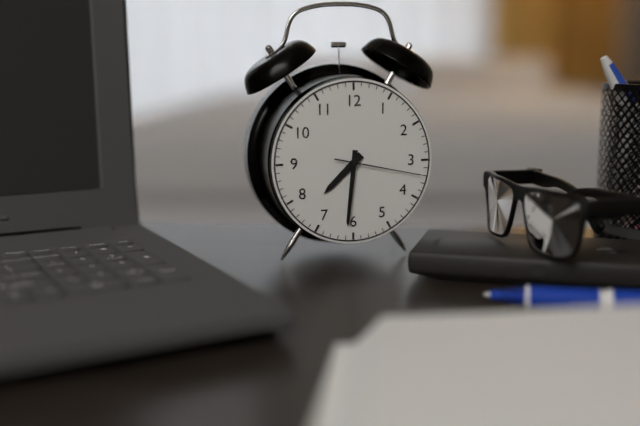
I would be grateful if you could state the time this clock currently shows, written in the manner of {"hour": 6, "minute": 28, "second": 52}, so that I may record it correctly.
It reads {"hour": 7, "minute": 31, "second": 17}
